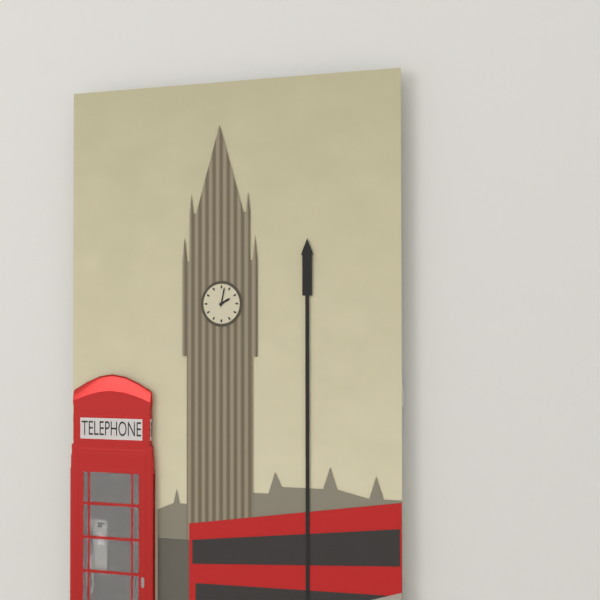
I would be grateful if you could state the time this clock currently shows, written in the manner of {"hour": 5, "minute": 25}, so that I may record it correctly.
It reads {"hour": 2, "minute": 2}
